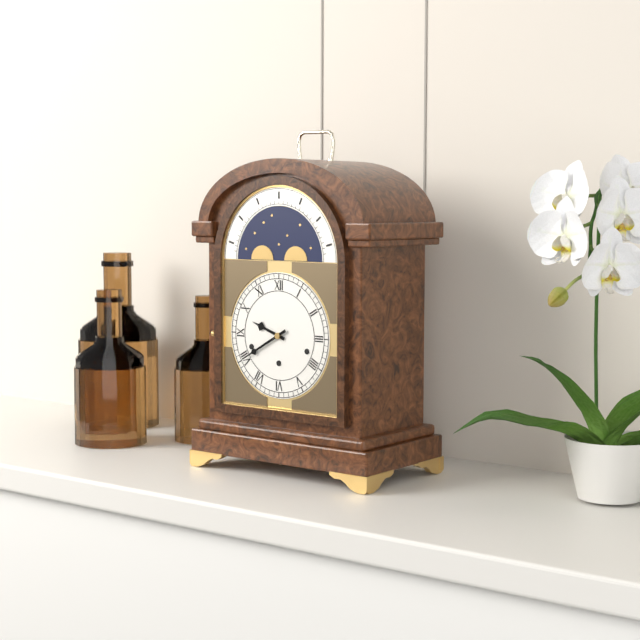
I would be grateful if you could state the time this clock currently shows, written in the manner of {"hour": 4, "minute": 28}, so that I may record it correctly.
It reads {"hour": 9, "minute": 40}
